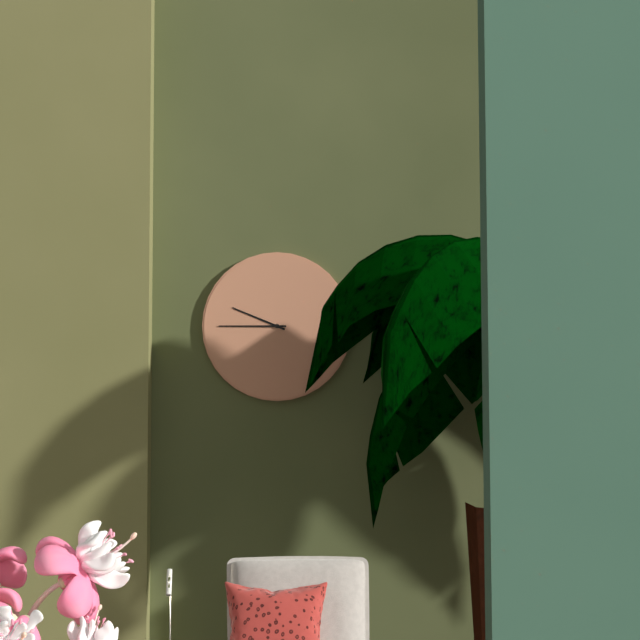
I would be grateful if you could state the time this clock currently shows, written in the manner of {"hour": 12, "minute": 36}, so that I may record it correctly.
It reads {"hour": 9, "minute": 45}
